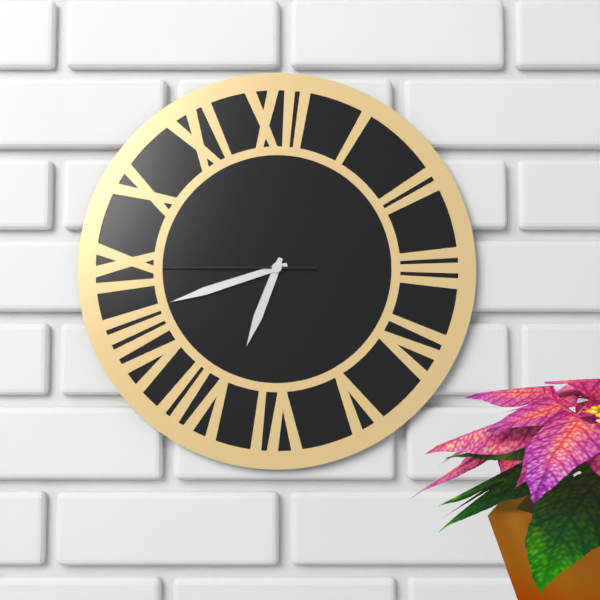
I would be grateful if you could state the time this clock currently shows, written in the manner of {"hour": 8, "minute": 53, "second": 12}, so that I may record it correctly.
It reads {"hour": 6, "minute": 42, "second": 45}
